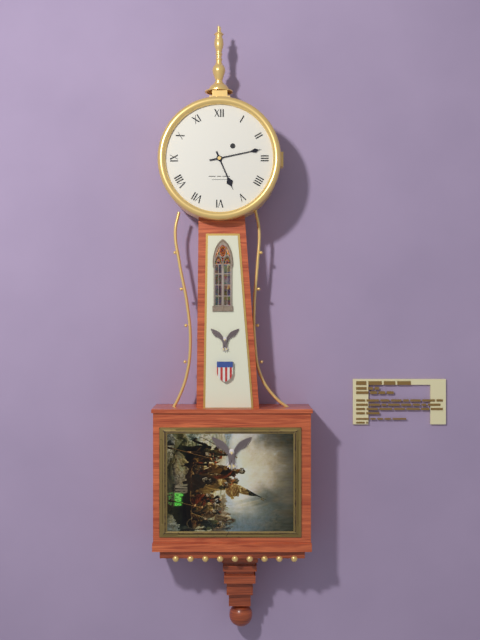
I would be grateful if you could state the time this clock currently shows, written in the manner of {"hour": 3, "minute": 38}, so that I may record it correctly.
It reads {"hour": 5, "minute": 13}
